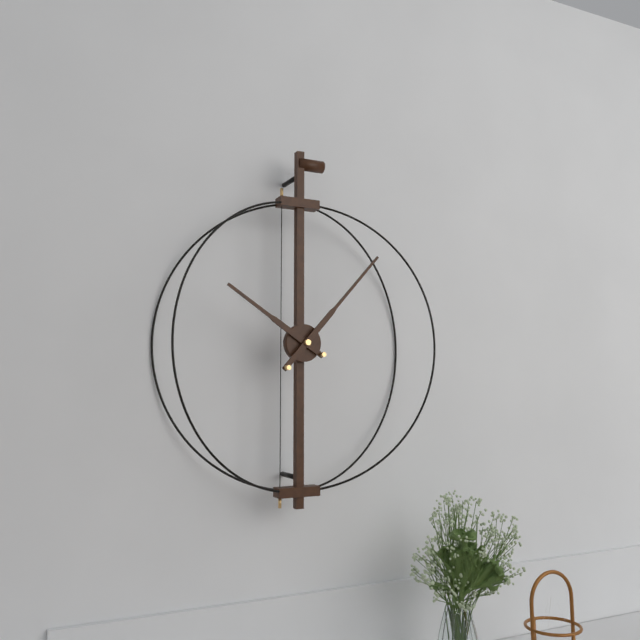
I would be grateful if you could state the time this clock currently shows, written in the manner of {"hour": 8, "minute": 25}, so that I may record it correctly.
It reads {"hour": 10, "minute": 7}
